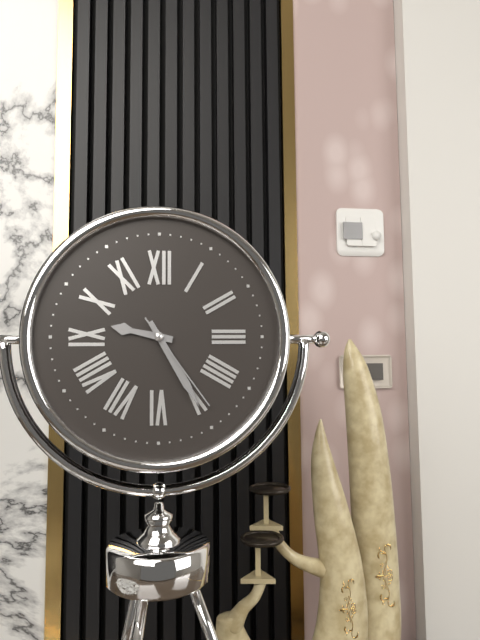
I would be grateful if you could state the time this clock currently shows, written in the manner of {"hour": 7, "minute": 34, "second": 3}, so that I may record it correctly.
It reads {"hour": 9, "minute": 25, "second": 24}
